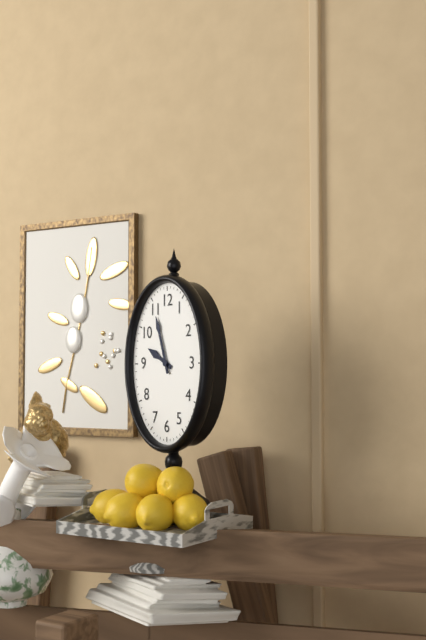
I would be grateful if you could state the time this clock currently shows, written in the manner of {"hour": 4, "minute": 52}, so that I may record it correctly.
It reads {"hour": 9, "minute": 57}
